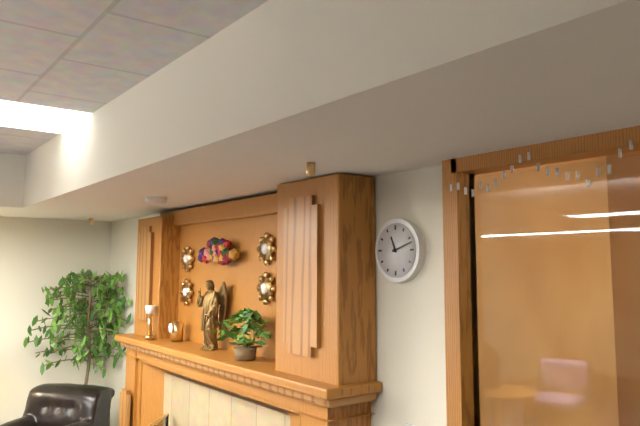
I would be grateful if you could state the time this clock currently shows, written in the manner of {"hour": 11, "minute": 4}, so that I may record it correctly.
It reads {"hour": 11, "minute": 12}
